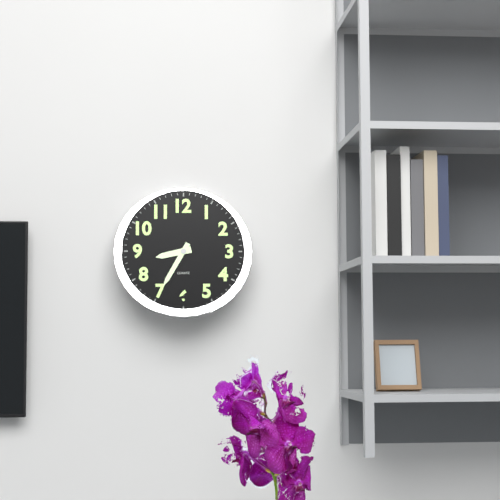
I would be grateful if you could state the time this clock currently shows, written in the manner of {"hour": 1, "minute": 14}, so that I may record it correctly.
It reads {"hour": 8, "minute": 35}
